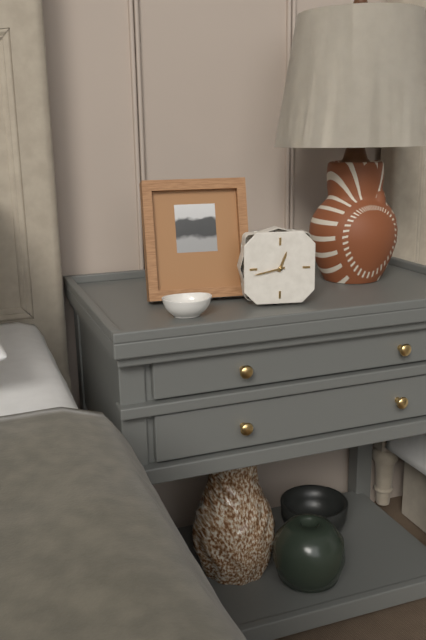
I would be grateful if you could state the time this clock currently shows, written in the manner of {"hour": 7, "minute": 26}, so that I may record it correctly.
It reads {"hour": 12, "minute": 43}
